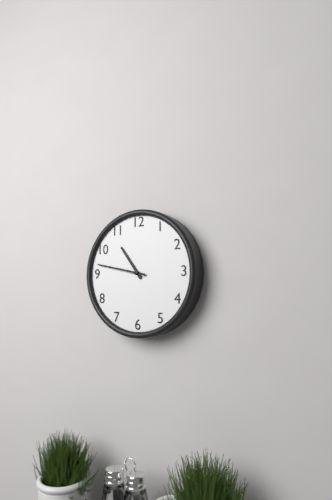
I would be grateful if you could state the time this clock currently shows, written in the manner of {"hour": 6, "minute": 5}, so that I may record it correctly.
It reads {"hour": 10, "minute": 47}
